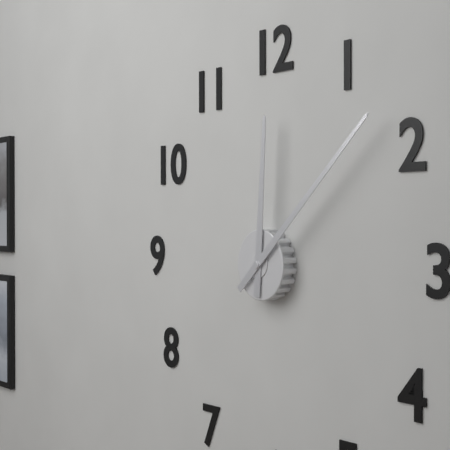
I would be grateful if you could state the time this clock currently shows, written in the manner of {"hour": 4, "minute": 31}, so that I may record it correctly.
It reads {"hour": 12, "minute": 8}
